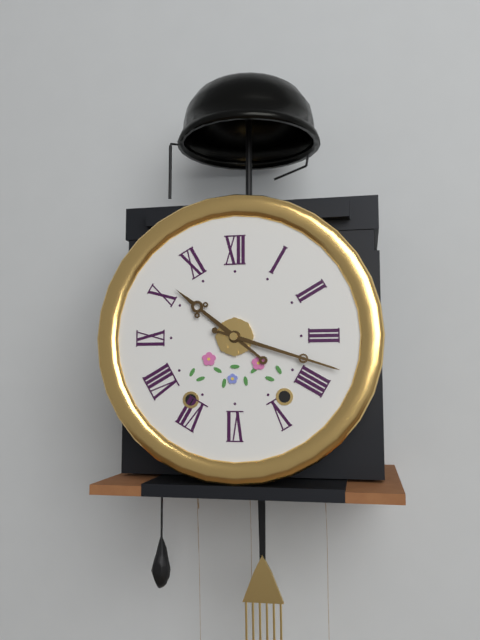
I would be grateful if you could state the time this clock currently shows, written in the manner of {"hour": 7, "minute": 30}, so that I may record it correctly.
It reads {"hour": 10, "minute": 18}
